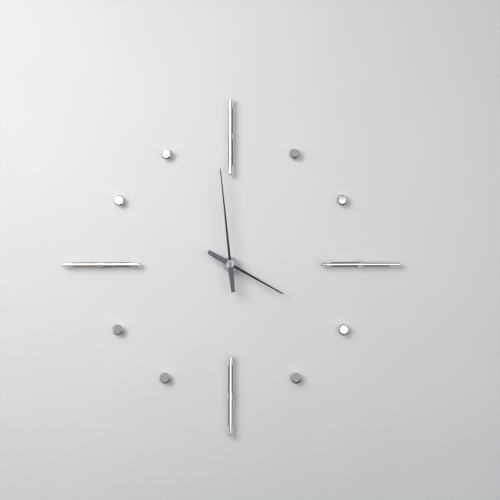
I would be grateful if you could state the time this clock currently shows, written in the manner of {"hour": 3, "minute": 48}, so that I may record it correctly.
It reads {"hour": 3, "minute": 59}
